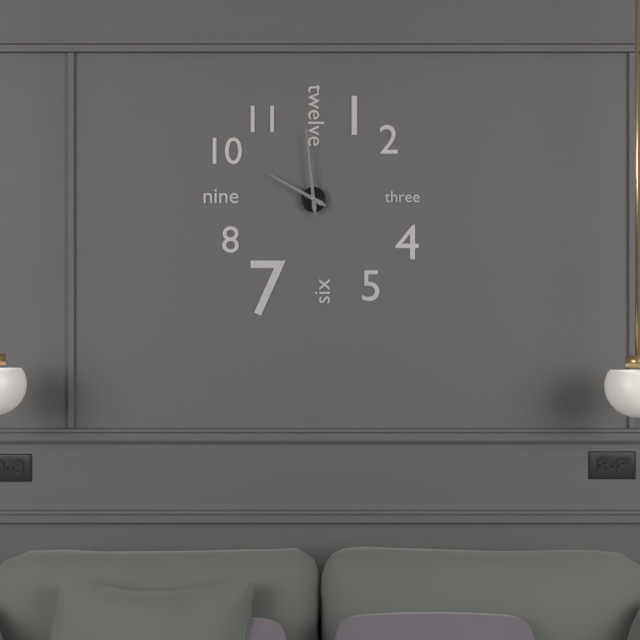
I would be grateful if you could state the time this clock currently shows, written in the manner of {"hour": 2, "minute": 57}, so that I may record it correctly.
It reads {"hour": 9, "minute": 59}
